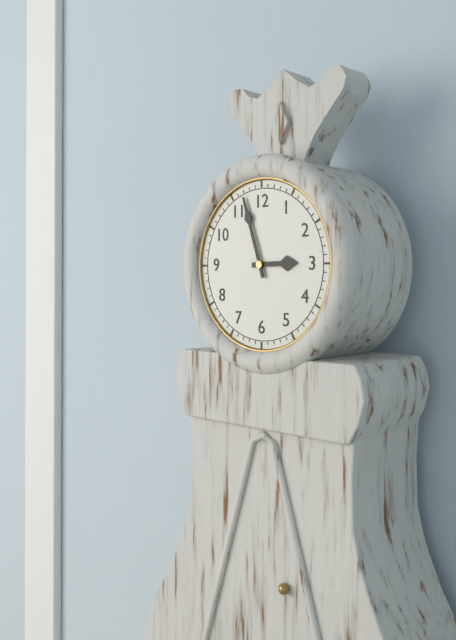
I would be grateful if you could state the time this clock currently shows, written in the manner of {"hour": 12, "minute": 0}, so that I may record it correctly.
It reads {"hour": 2, "minute": 57}
